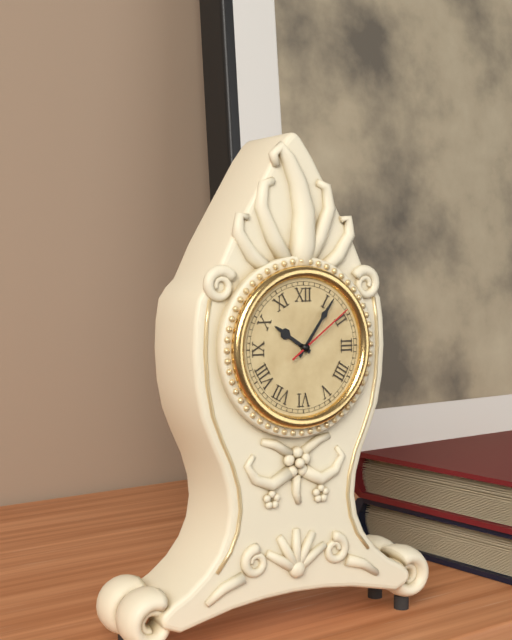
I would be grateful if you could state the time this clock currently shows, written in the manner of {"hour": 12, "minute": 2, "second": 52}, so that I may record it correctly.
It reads {"hour": 10, "minute": 6, "second": 9}
